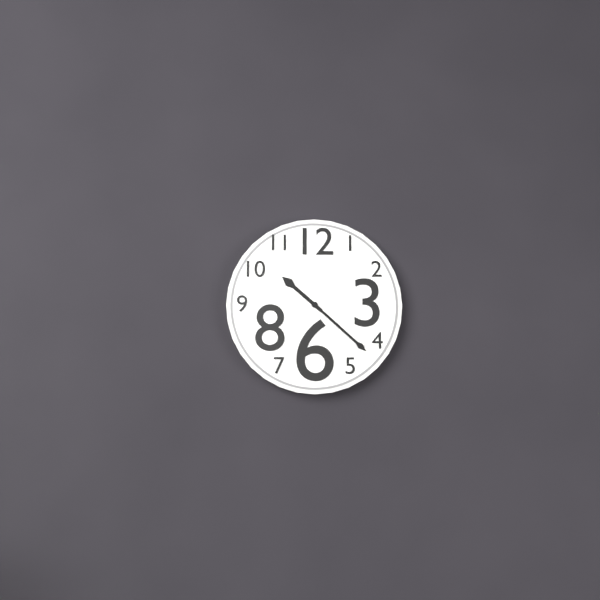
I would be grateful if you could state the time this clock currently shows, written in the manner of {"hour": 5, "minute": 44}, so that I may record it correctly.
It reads {"hour": 10, "minute": 22}
